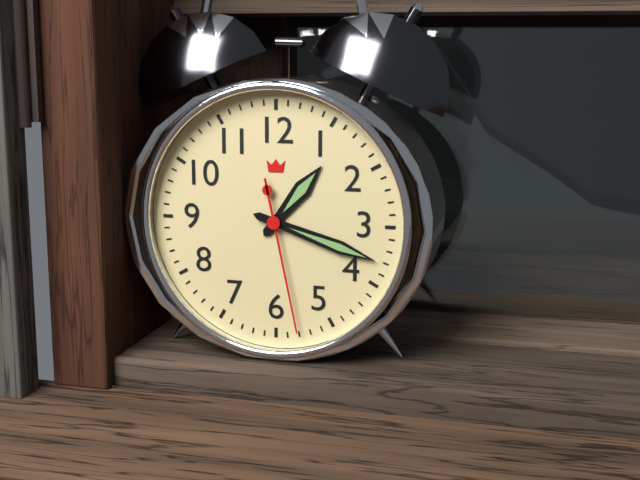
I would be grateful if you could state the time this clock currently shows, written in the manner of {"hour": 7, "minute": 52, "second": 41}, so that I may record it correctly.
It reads {"hour": 1, "minute": 18, "second": 28}
